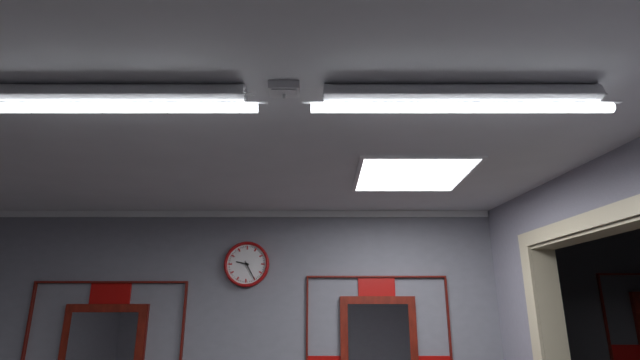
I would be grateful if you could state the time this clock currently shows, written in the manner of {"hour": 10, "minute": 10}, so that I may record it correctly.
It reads {"hour": 9, "minute": 25}
